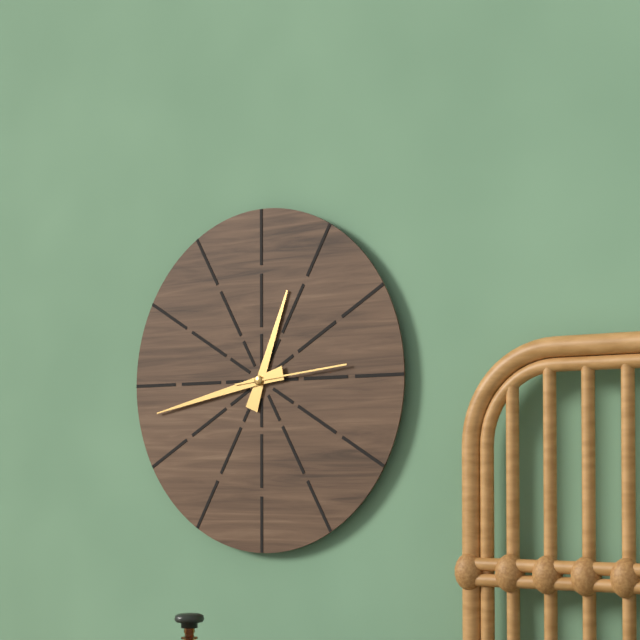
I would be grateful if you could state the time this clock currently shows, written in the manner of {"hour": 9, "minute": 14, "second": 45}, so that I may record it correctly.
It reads {"hour": 12, "minute": 43, "second": 14}
